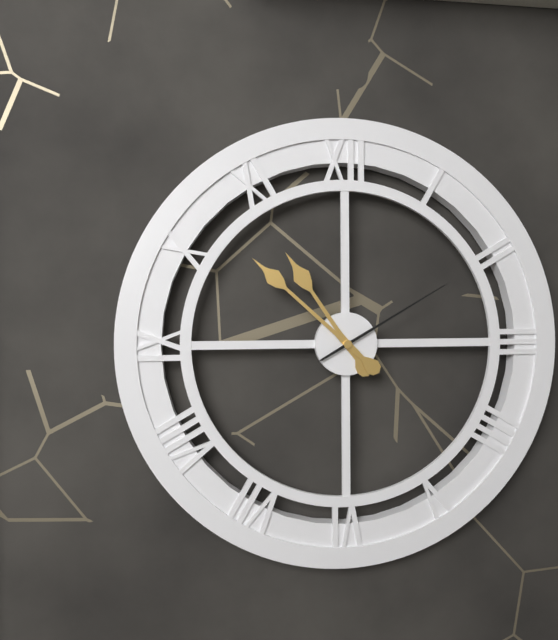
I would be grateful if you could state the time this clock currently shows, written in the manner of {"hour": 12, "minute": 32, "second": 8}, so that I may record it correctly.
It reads {"hour": 10, "minute": 52, "second": 10}
